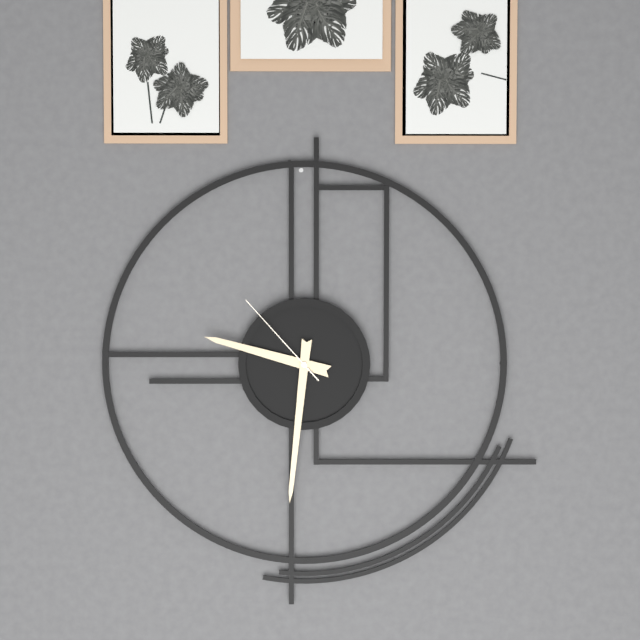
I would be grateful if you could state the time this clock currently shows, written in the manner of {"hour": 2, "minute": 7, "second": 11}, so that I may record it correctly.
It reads {"hour": 9, "minute": 31, "second": 53}
